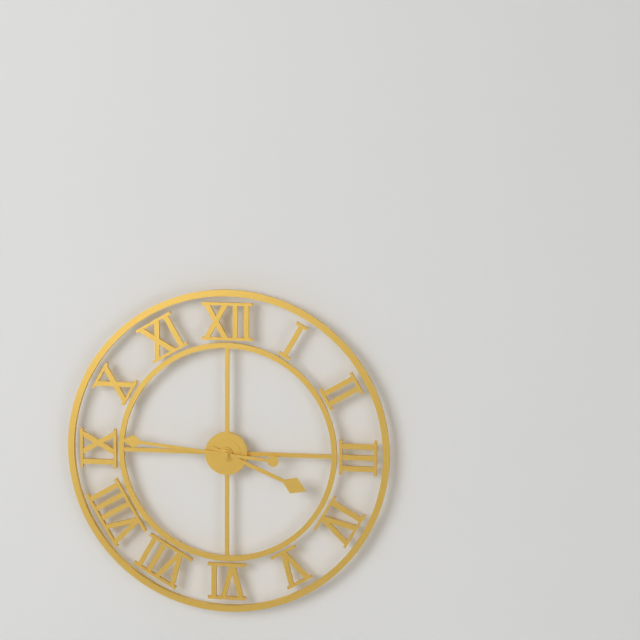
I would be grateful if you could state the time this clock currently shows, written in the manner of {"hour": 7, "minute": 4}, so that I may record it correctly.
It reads {"hour": 3, "minute": 46}
